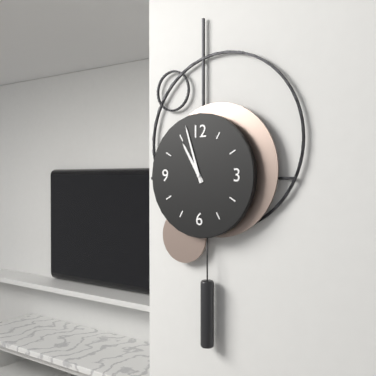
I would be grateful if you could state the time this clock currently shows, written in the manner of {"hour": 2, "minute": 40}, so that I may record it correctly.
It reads {"hour": 10, "minute": 57}
